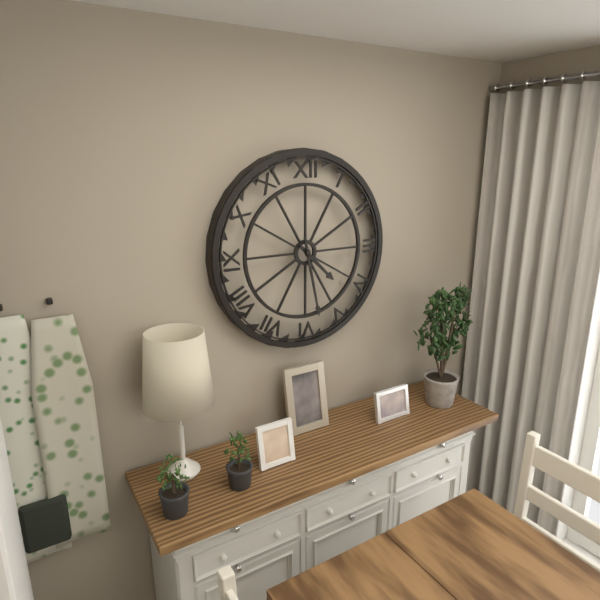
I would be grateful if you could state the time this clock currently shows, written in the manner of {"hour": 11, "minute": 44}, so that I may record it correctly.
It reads {"hour": 4, "minute": 28}
